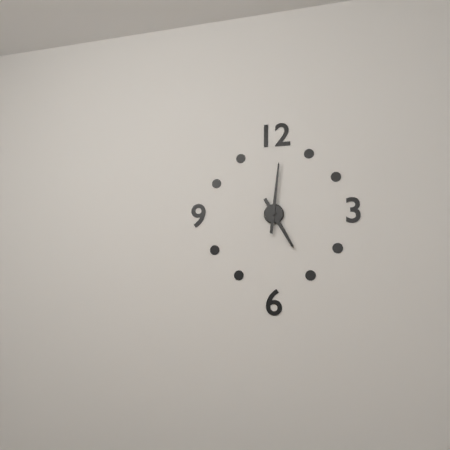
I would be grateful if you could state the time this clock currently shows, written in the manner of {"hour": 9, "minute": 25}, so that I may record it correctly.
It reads {"hour": 5, "minute": 1}
